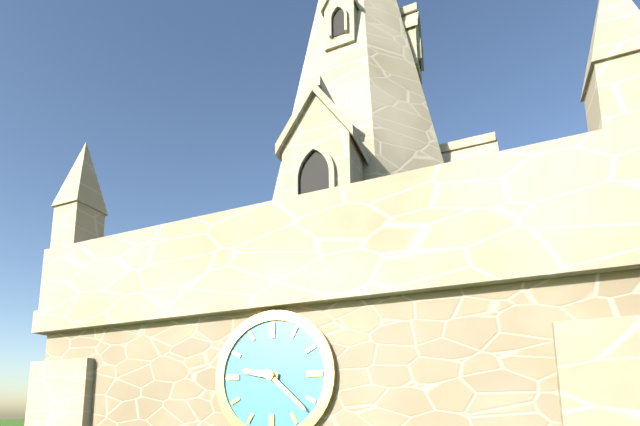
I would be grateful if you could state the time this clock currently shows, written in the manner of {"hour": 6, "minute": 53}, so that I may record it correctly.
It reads {"hour": 9, "minute": 22}
